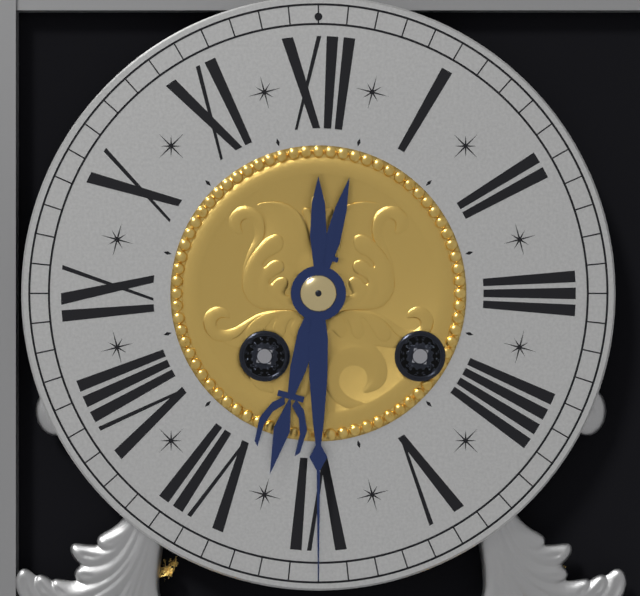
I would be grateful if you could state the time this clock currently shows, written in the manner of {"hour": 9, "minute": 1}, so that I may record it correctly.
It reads {"hour": 6, "minute": 30}
